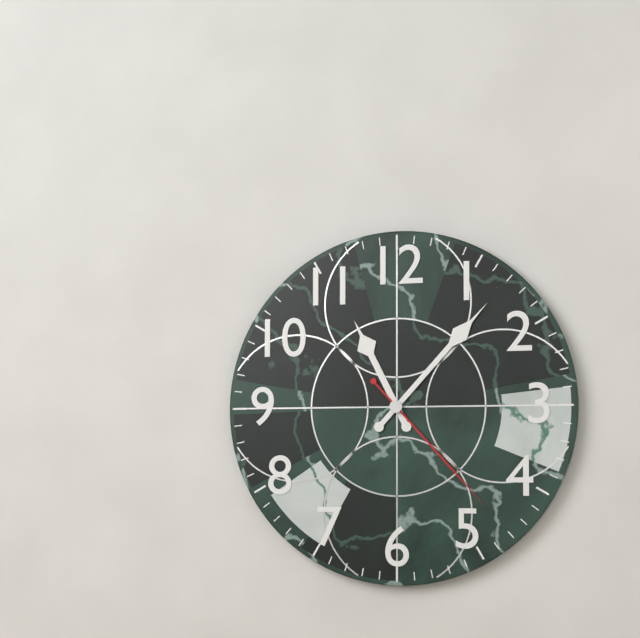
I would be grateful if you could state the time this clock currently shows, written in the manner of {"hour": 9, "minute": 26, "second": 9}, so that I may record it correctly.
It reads {"hour": 11, "minute": 7, "second": 23}
